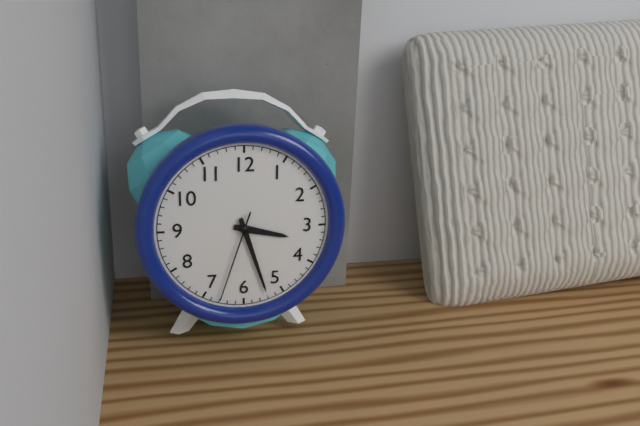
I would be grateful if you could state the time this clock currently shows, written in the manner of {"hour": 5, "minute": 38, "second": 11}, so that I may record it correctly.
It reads {"hour": 3, "minute": 27, "second": 33}
